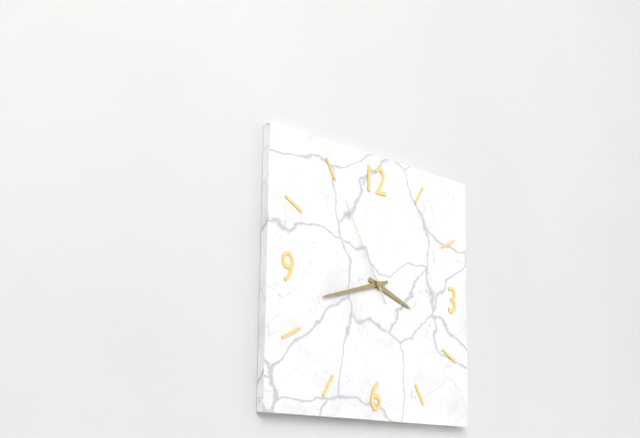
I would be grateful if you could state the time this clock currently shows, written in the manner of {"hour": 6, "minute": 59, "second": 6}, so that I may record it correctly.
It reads {"hour": 3, "minute": 42, "second": 55}
